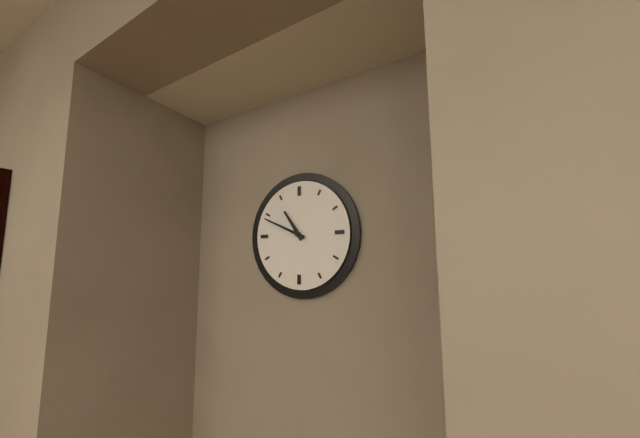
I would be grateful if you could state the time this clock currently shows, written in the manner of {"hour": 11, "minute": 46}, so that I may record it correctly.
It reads {"hour": 10, "minute": 49}
